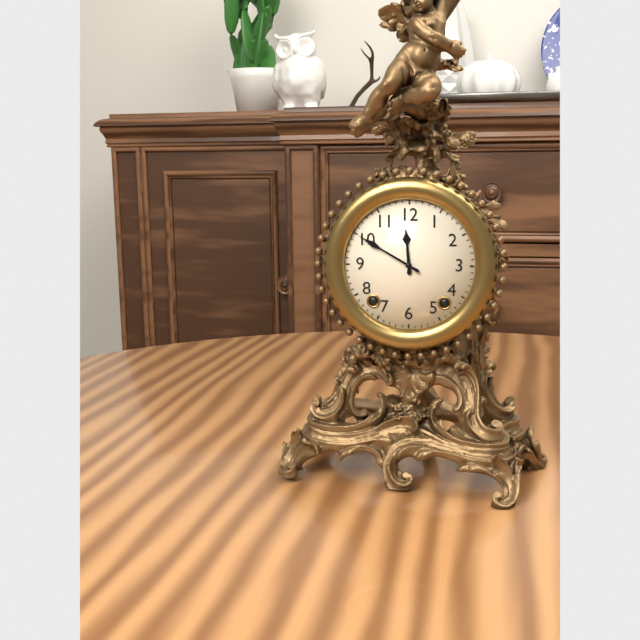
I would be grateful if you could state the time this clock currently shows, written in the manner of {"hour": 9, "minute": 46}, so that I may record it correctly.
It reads {"hour": 11, "minute": 50}
